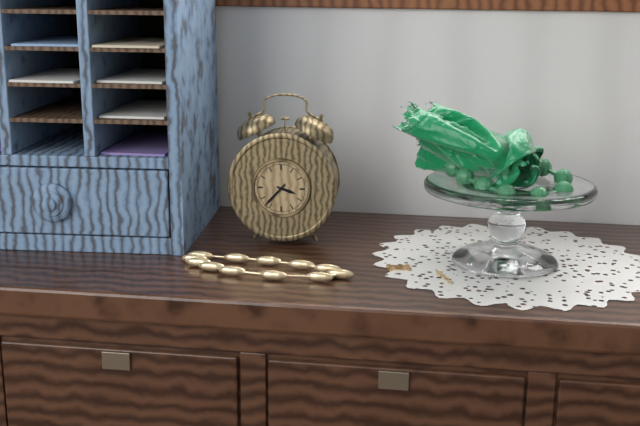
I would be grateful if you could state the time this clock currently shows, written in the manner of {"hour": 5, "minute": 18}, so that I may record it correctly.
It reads {"hour": 3, "minute": 37}
